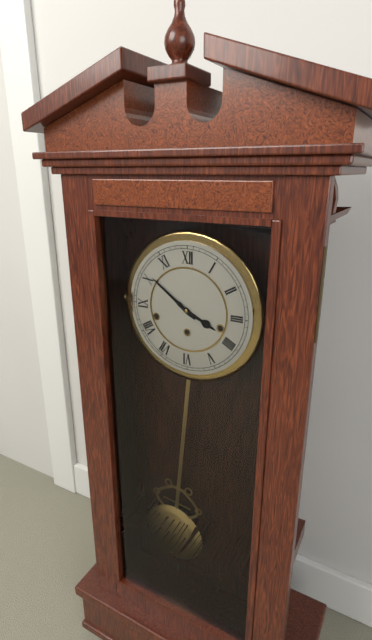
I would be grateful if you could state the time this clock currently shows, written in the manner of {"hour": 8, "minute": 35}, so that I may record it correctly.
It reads {"hour": 3, "minute": 51}
